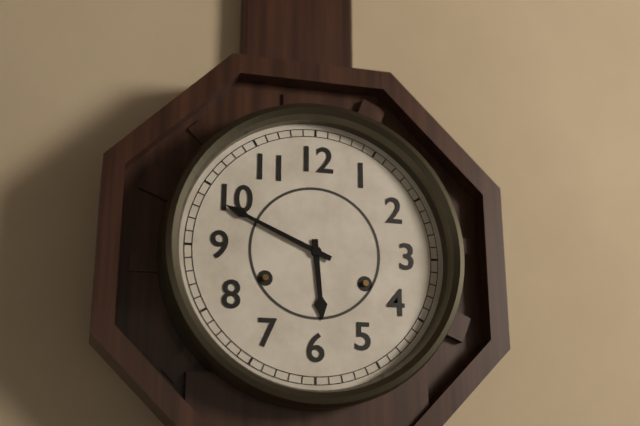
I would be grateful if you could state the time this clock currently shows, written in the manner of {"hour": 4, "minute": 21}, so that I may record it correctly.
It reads {"hour": 5, "minute": 49}
